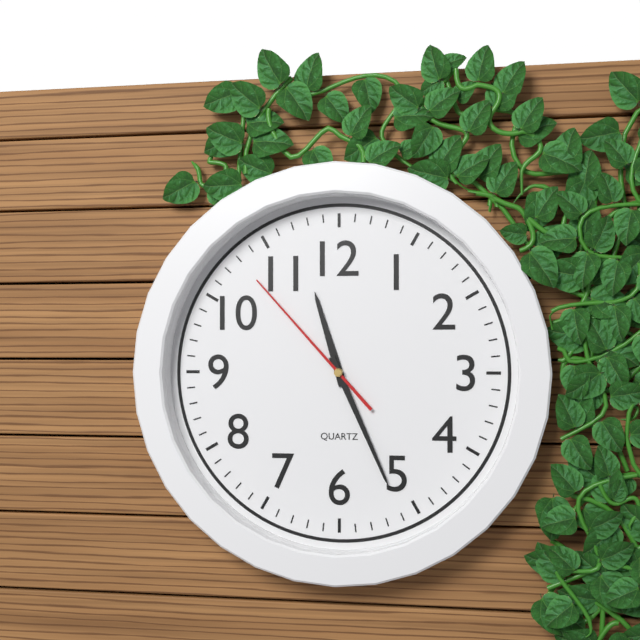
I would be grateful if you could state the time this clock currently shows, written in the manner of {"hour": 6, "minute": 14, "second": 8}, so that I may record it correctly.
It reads {"hour": 11, "minute": 26, "second": 53}
